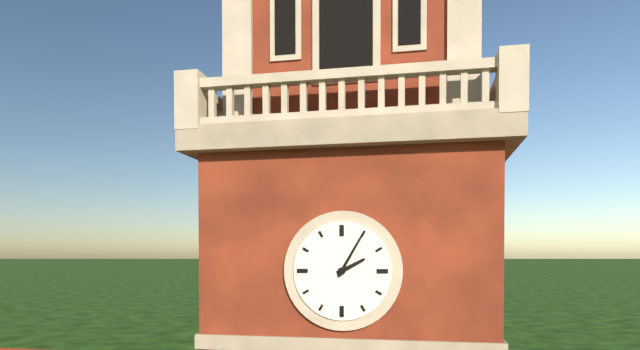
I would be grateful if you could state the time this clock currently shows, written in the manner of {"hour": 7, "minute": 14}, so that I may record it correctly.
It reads {"hour": 2, "minute": 5}
